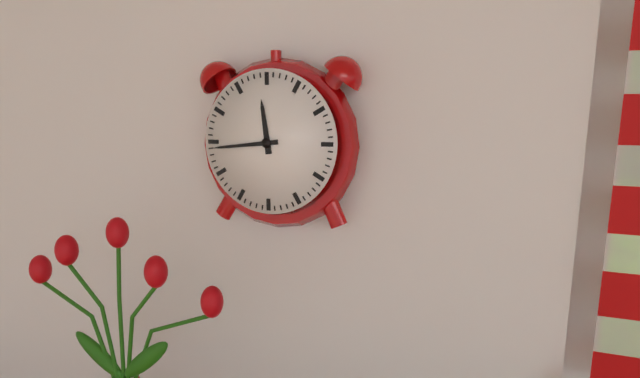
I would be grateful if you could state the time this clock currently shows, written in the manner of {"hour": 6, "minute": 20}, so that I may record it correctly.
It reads {"hour": 11, "minute": 44}
